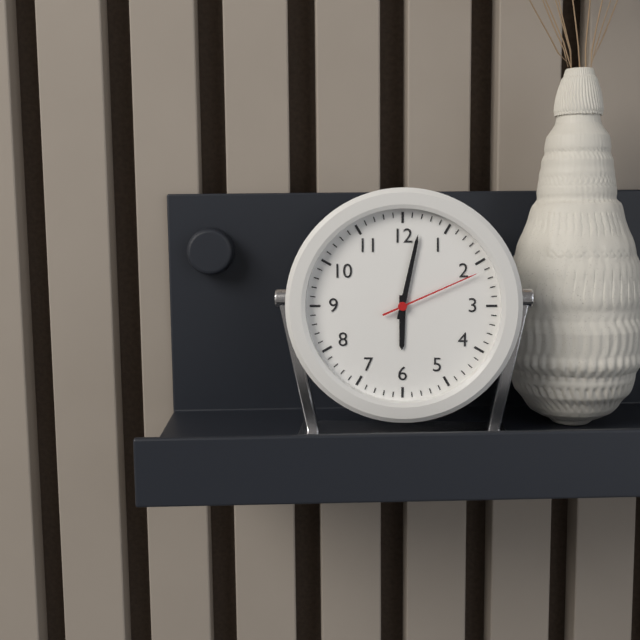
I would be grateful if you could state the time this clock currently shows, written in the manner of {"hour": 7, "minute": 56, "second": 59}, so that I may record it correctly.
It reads {"hour": 6, "minute": 2, "second": 11}
